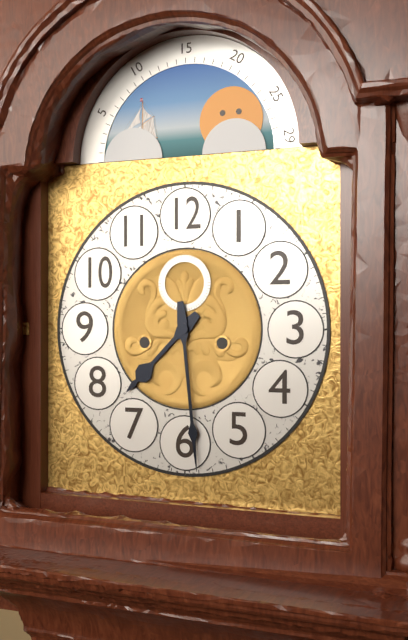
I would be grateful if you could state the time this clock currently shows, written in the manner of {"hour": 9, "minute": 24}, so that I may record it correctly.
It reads {"hour": 7, "minute": 29}
